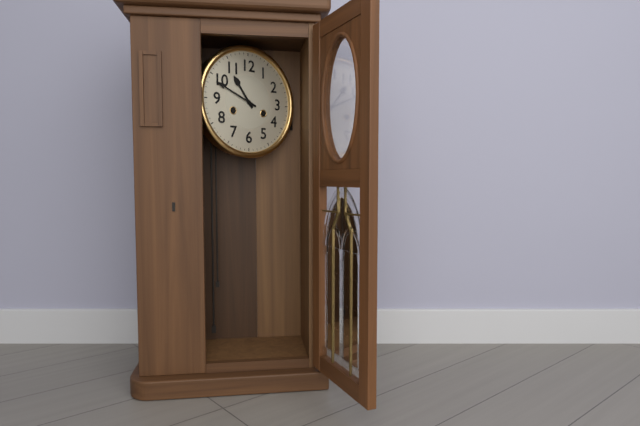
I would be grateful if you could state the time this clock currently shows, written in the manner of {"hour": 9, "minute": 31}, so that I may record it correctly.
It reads {"hour": 10, "minute": 49}
